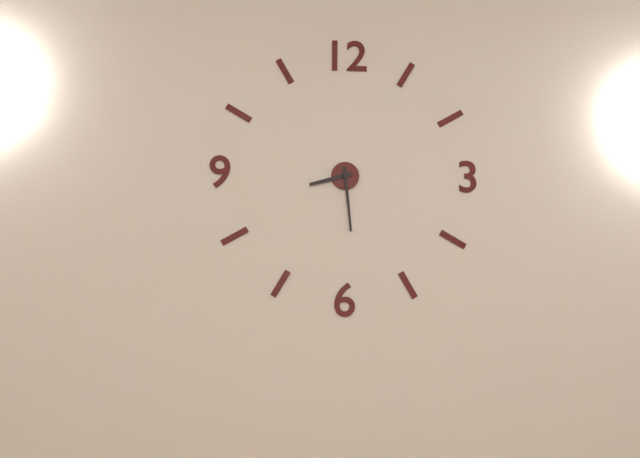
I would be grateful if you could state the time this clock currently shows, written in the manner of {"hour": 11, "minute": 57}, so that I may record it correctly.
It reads {"hour": 8, "minute": 29}
